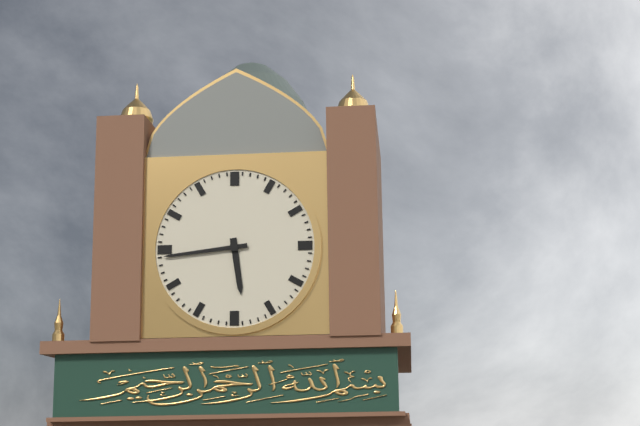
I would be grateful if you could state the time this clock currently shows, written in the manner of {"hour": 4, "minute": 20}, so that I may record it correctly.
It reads {"hour": 5, "minute": 44}
